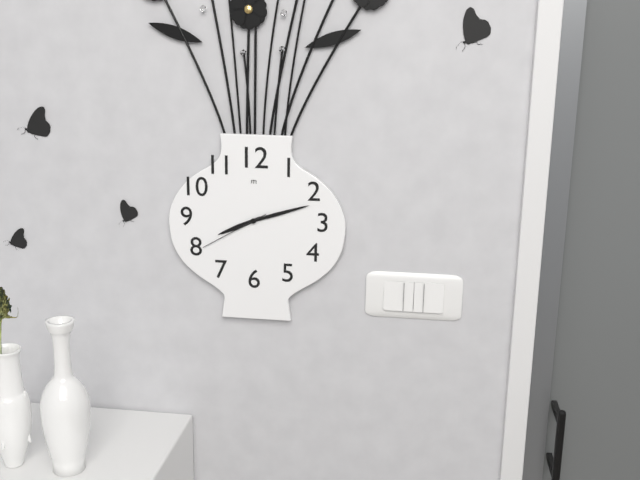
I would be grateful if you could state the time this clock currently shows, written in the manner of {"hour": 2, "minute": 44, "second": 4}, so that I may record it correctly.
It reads {"hour": 8, "minute": 12, "second": 40}
